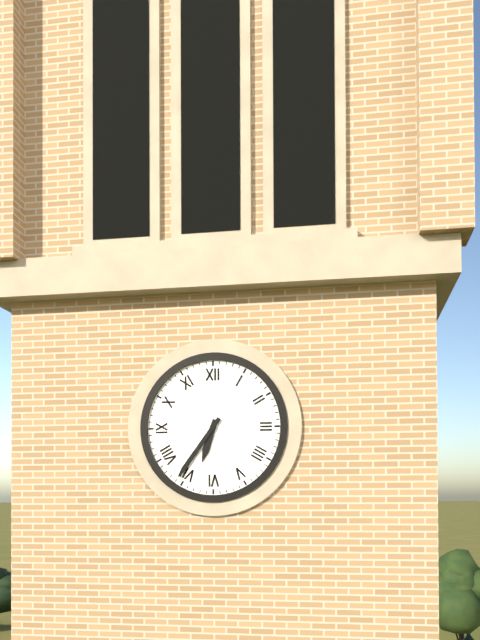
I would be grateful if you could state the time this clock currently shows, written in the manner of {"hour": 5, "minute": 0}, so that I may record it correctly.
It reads {"hour": 6, "minute": 36}
